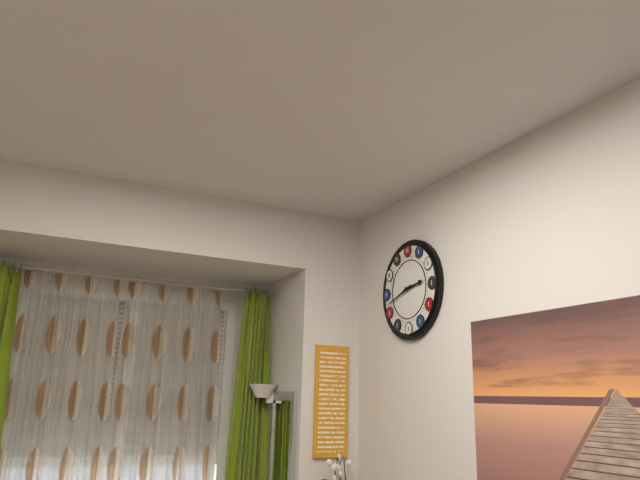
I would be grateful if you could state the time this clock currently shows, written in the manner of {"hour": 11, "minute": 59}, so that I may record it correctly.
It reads {"hour": 2, "minute": 42}
